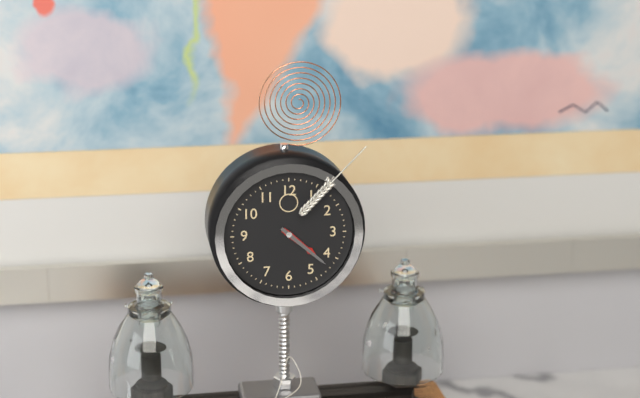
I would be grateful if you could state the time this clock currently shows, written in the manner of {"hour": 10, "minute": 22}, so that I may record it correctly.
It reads {"hour": 4, "minute": 22}
